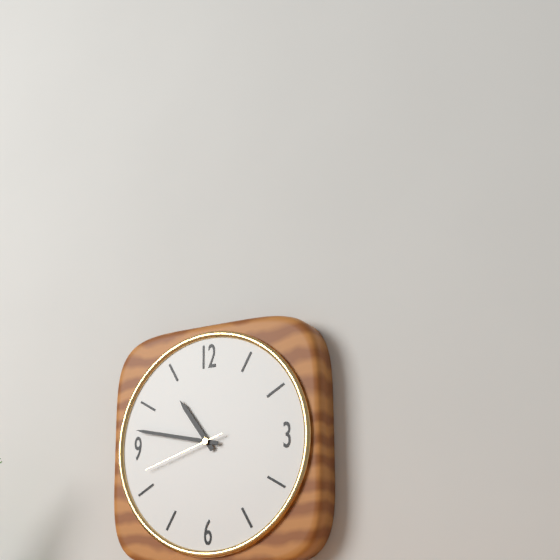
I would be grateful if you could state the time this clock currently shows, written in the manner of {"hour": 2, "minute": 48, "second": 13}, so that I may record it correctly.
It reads {"hour": 10, "minute": 47, "second": 42}
